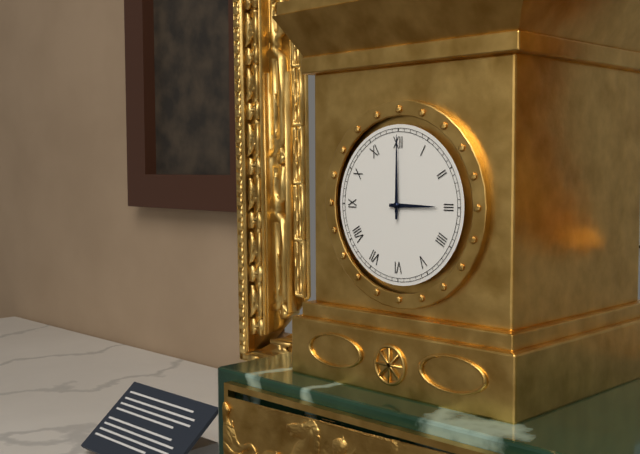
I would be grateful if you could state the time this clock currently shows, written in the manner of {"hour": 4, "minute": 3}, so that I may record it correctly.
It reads {"hour": 3, "minute": 0}
